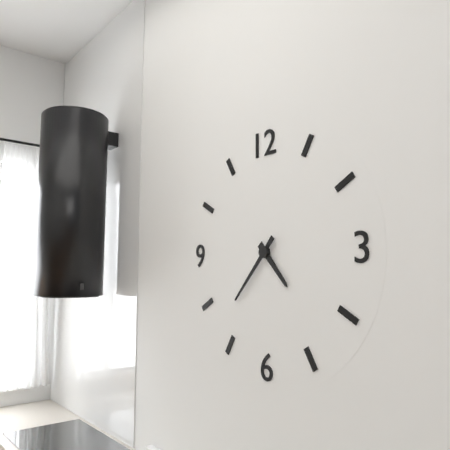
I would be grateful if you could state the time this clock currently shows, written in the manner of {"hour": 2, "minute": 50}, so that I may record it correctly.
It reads {"hour": 4, "minute": 37}
